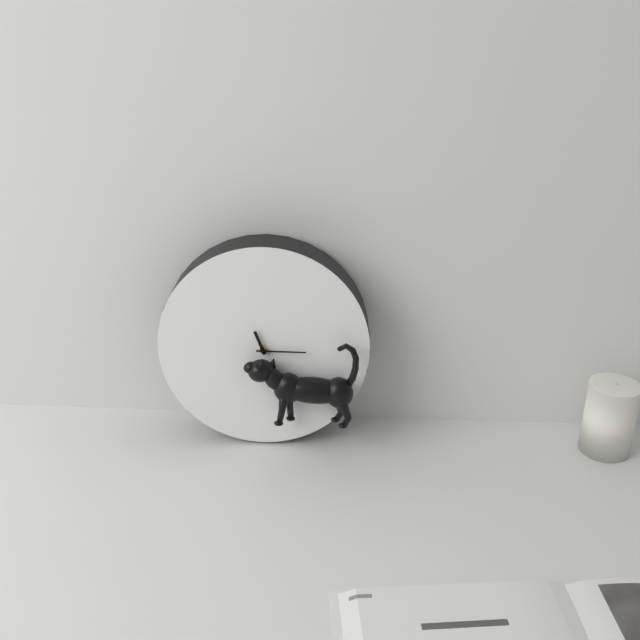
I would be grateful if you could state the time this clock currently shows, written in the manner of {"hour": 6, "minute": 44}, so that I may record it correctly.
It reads {"hour": 11, "minute": 15}
